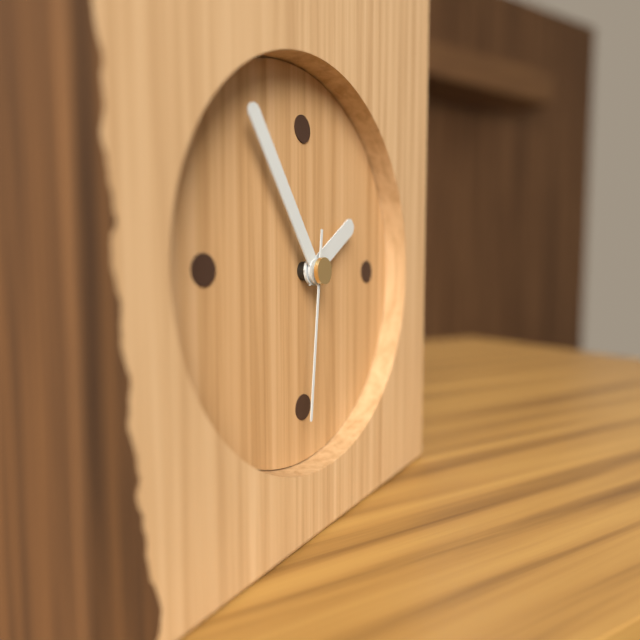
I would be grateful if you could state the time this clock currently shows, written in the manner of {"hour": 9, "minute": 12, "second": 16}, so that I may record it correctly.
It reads {"hour": 1, "minute": 54, "second": 31}
